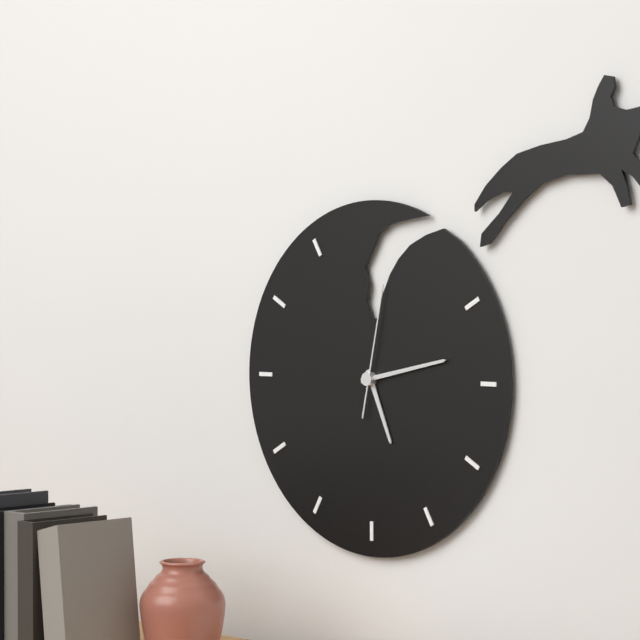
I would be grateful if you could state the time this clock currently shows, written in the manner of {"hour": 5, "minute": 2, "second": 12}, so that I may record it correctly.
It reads {"hour": 5, "minute": 13, "second": 2}
